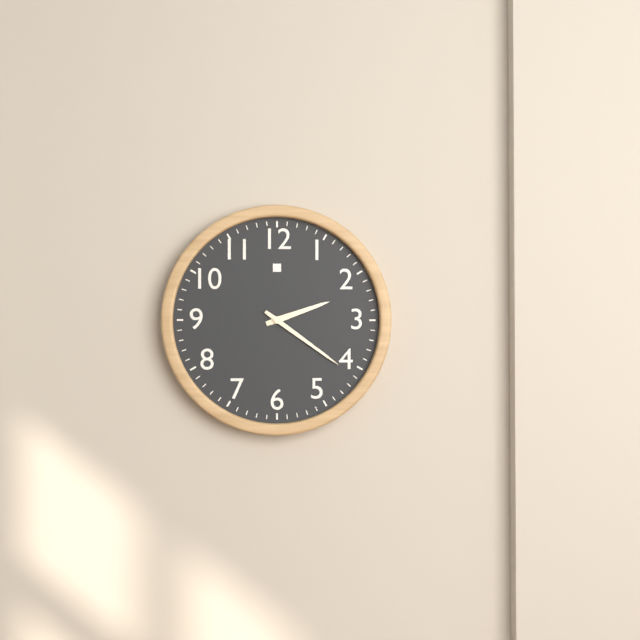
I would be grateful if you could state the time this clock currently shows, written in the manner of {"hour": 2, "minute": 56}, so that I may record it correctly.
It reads {"hour": 2, "minute": 21}
